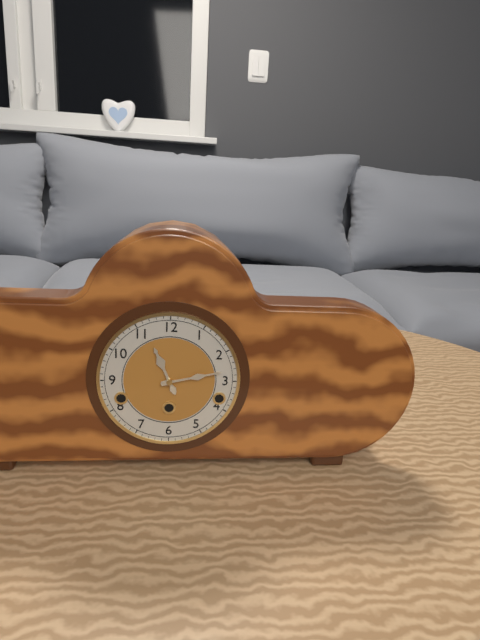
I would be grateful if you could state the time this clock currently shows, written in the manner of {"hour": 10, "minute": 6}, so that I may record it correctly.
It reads {"hour": 11, "minute": 13}
